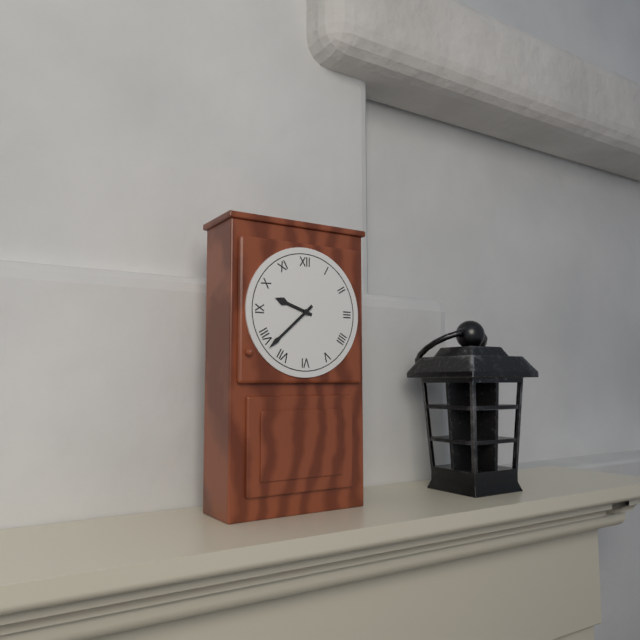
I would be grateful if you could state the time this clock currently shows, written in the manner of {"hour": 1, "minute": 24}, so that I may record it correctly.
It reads {"hour": 9, "minute": 38}
